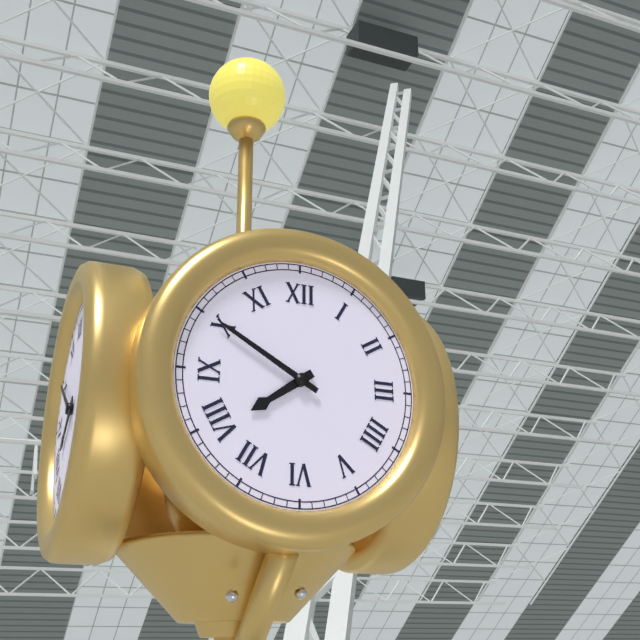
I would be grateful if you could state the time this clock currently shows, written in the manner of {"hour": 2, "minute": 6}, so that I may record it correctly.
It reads {"hour": 7, "minute": 50}
